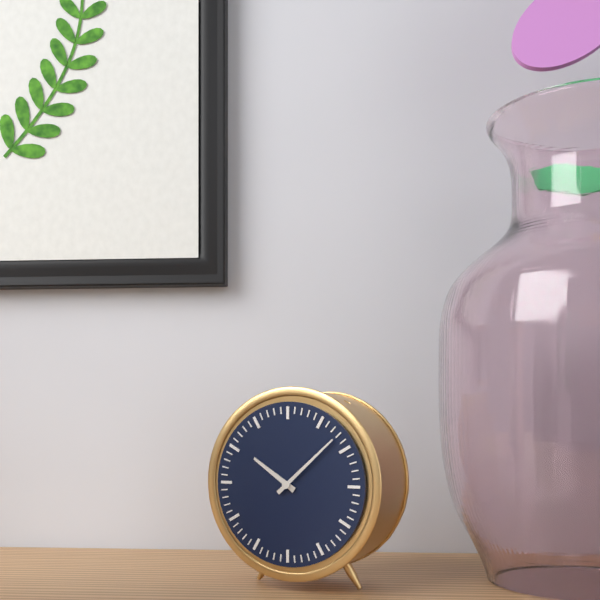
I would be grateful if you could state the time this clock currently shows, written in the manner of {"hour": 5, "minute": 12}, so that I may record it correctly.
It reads {"hour": 10, "minute": 8}
